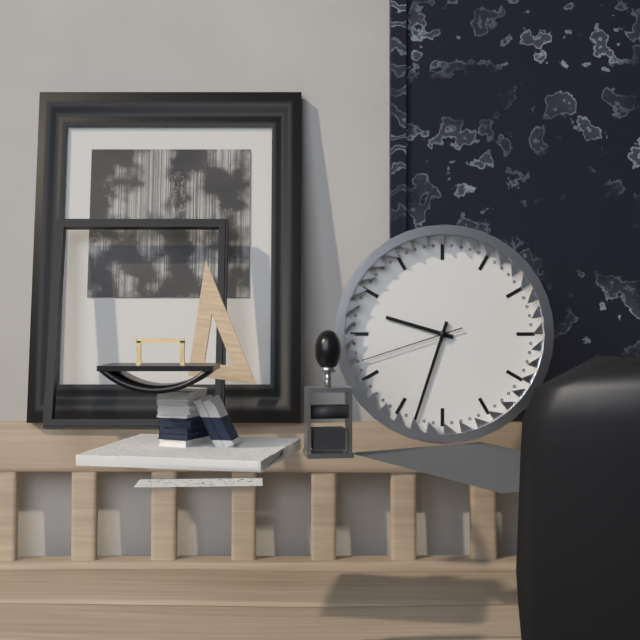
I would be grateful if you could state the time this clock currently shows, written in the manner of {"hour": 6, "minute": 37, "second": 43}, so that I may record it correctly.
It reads {"hour": 9, "minute": 33, "second": 42}
